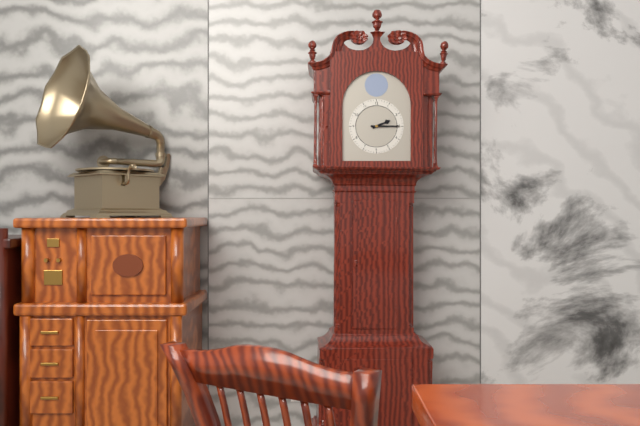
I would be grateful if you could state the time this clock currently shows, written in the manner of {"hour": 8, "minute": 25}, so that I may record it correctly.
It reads {"hour": 2, "minute": 15}
